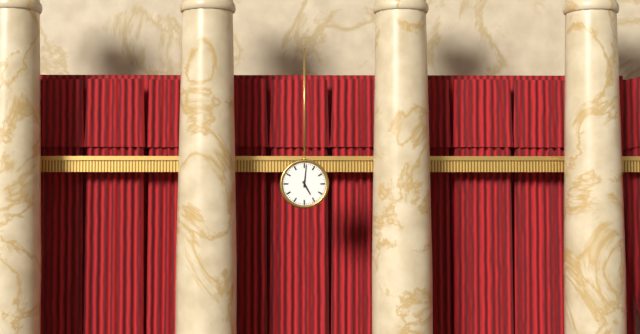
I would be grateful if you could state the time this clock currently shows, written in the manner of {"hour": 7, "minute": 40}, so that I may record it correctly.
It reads {"hour": 5, "minute": 1}
